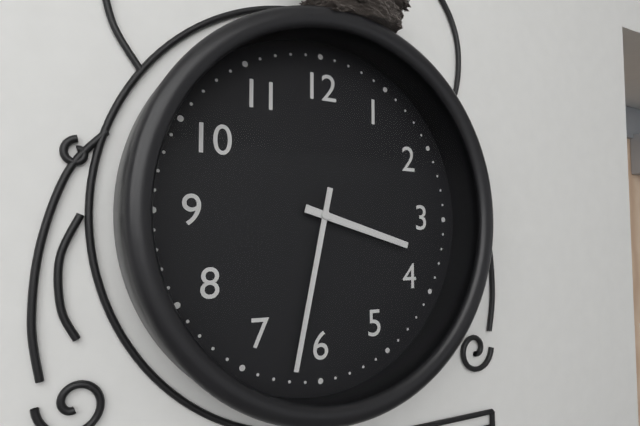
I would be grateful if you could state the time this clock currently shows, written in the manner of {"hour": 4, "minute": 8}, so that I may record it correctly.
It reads {"hour": 3, "minute": 32}
